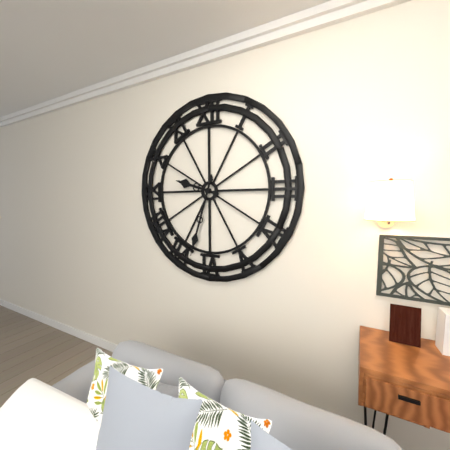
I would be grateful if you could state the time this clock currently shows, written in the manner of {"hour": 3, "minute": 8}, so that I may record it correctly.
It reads {"hour": 9, "minute": 33}
